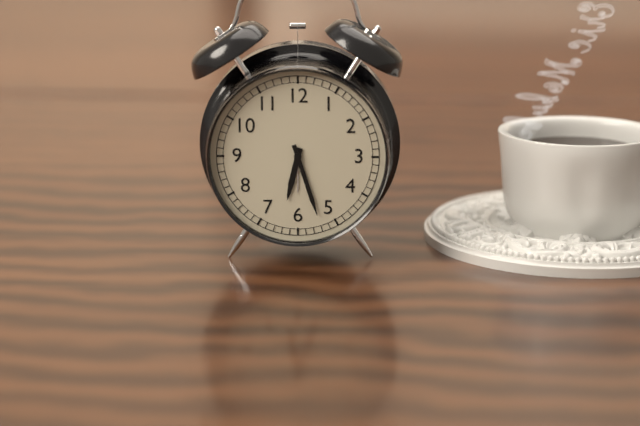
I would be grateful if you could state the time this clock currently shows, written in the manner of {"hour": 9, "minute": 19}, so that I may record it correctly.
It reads {"hour": 6, "minute": 27}
